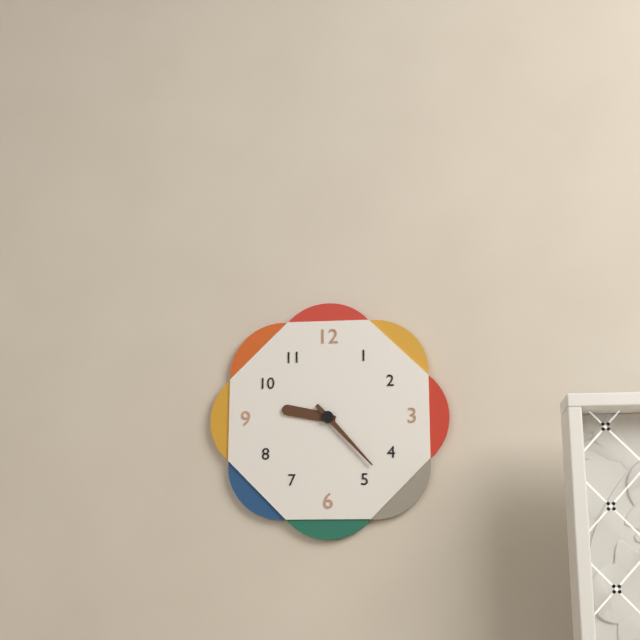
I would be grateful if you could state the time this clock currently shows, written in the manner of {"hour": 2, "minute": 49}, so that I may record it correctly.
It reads {"hour": 9, "minute": 23}
